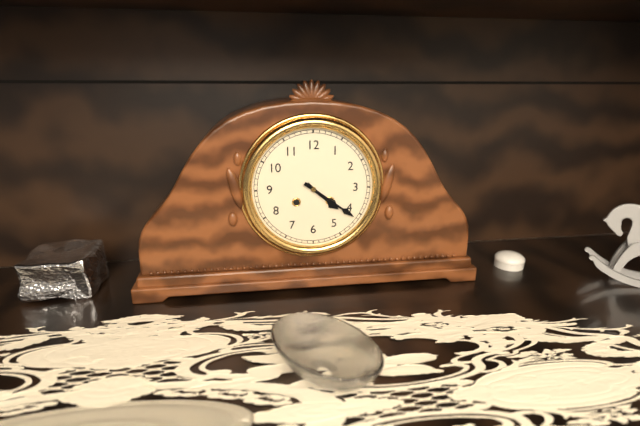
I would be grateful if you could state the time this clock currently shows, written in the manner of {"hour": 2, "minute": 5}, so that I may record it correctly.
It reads {"hour": 4, "minute": 21}
